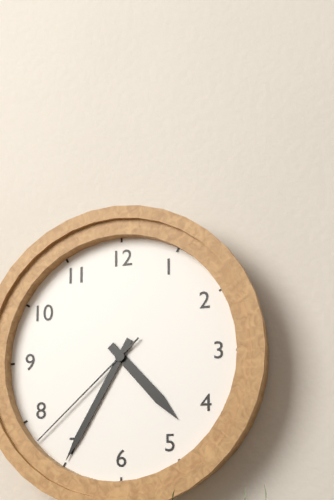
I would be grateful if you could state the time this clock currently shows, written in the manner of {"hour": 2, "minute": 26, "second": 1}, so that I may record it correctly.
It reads {"hour": 4, "minute": 35, "second": 38}
